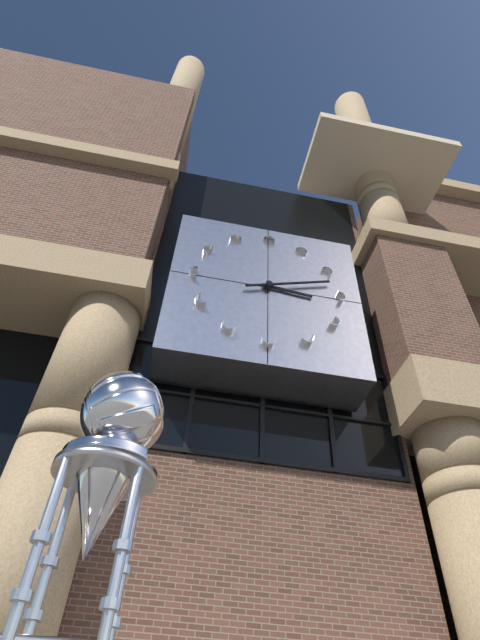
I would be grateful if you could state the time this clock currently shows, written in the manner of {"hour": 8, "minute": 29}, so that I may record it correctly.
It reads {"hour": 3, "minute": 12}
